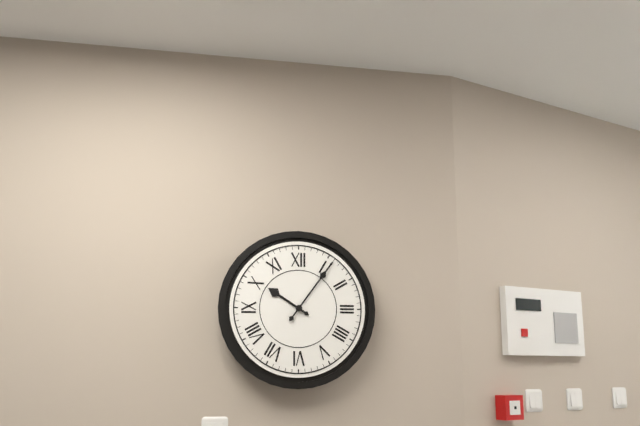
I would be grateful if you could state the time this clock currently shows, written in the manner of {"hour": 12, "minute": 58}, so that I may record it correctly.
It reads {"hour": 10, "minute": 6}
